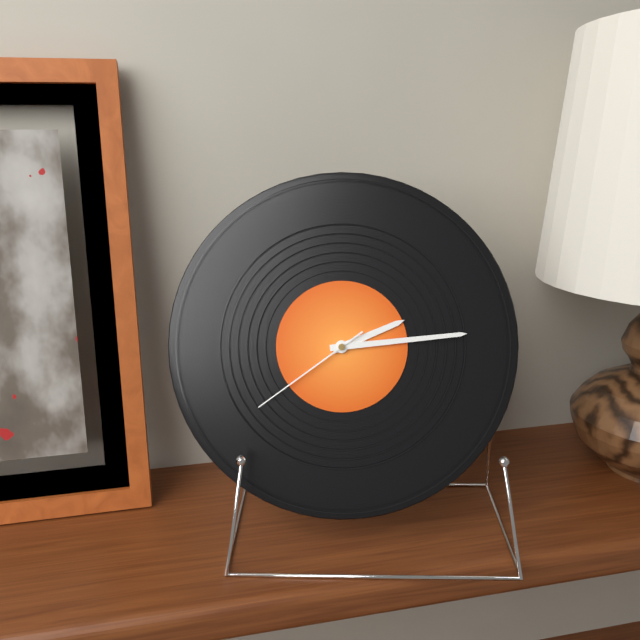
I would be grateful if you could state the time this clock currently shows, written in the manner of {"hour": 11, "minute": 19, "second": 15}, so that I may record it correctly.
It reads {"hour": 2, "minute": 14, "second": 39}
